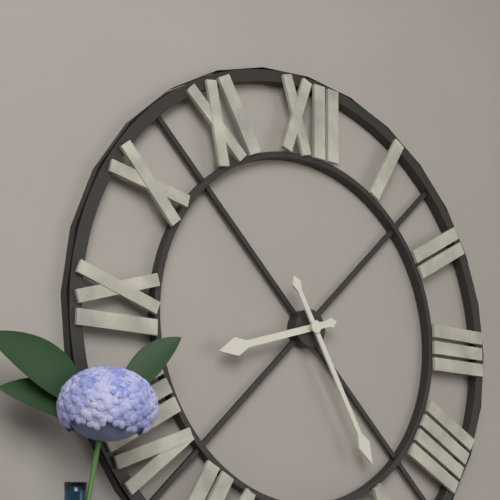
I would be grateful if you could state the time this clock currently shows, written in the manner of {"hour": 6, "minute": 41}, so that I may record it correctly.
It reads {"hour": 8, "minute": 25}
